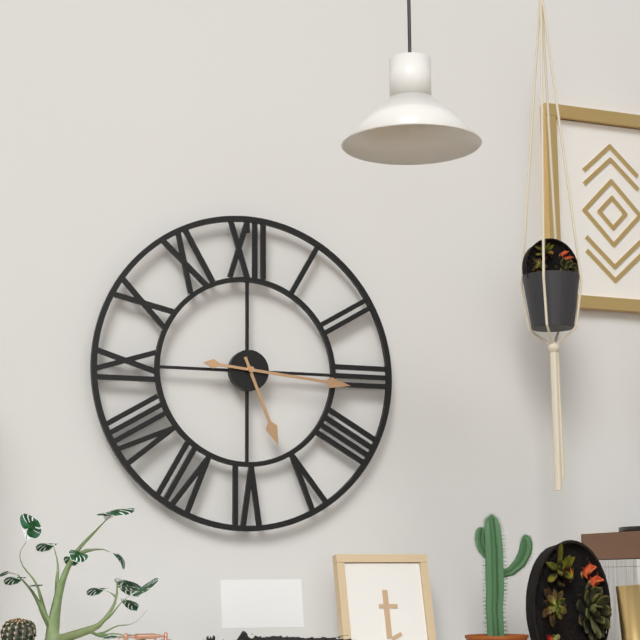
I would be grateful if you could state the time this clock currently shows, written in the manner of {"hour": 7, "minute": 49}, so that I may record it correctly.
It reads {"hour": 5, "minute": 16}
